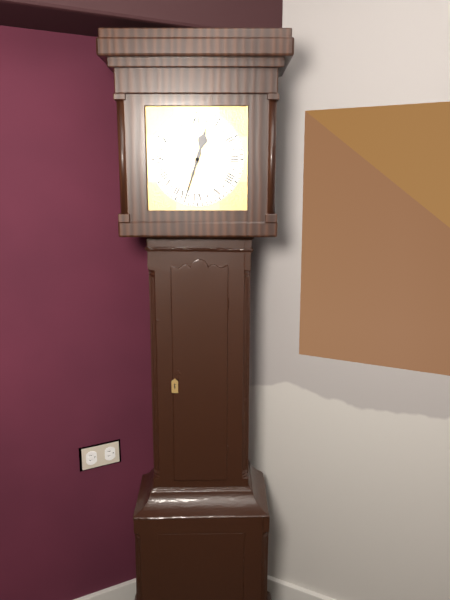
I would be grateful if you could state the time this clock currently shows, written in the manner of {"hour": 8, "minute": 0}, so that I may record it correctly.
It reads {"hour": 12, "minute": 33}
